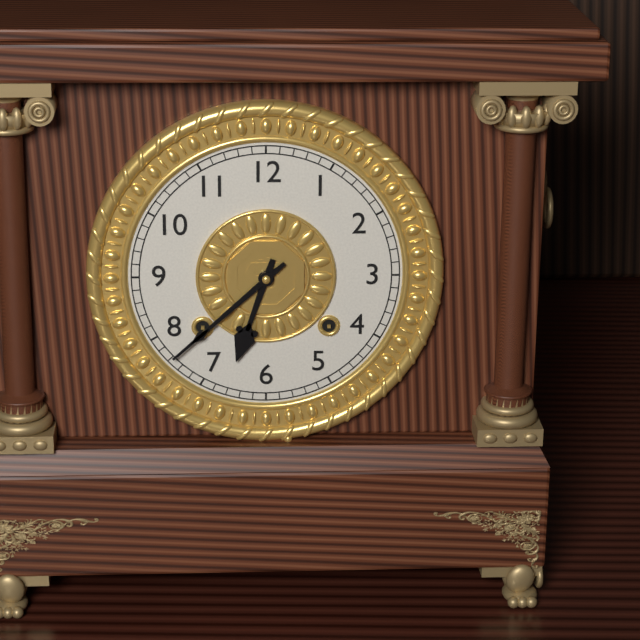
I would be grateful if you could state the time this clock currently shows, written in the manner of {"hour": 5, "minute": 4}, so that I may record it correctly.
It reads {"hour": 6, "minute": 38}
